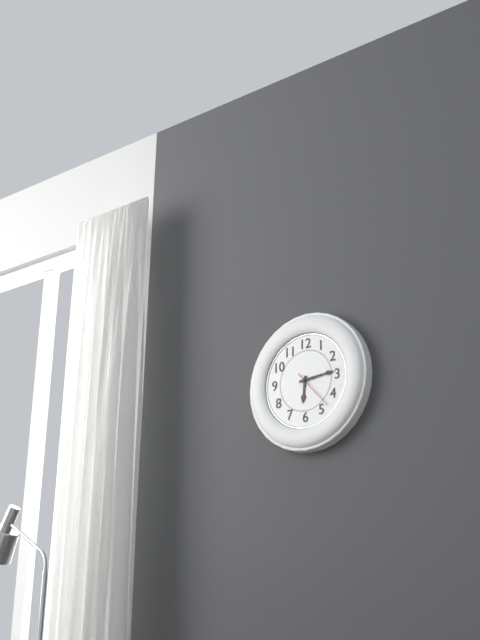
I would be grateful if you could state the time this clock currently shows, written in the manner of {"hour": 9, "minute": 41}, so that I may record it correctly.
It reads {"hour": 6, "minute": 14}
